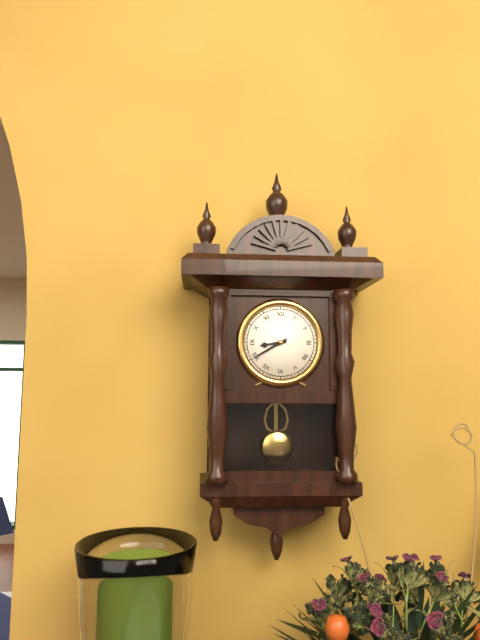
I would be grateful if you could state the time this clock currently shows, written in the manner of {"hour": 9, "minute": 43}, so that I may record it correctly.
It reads {"hour": 8, "minute": 40}
